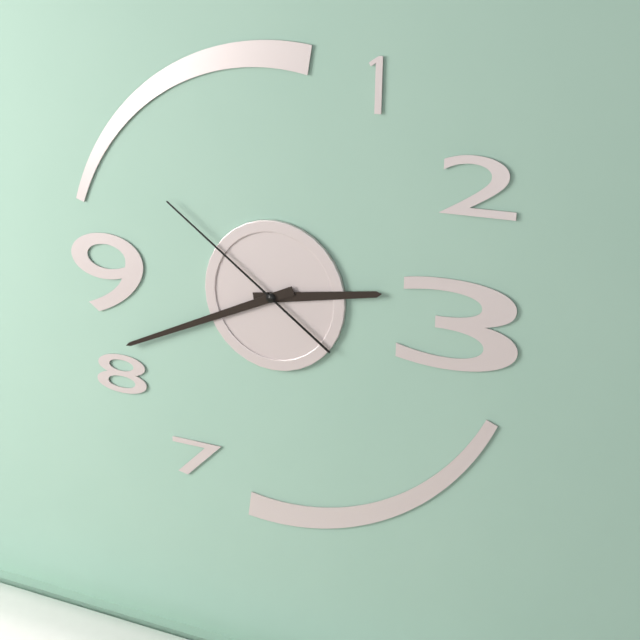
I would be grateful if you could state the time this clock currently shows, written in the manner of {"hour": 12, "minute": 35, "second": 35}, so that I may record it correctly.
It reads {"hour": 2, "minute": 41, "second": 51}
